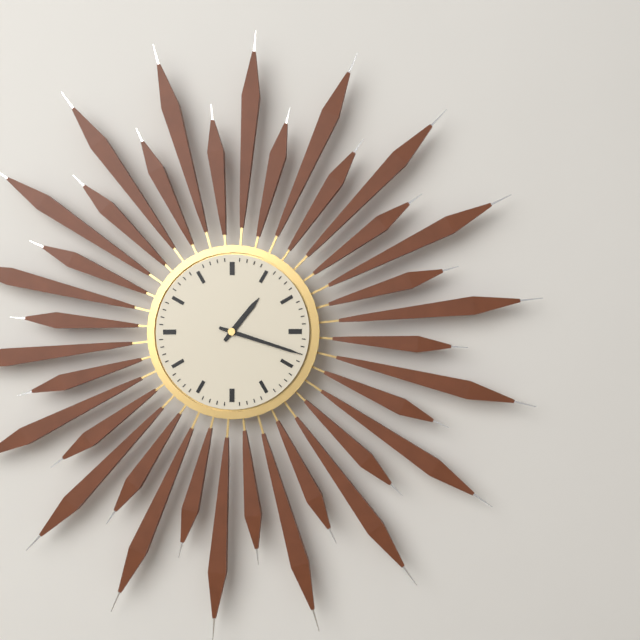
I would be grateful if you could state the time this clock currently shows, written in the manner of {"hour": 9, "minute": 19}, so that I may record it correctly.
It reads {"hour": 1, "minute": 18}
